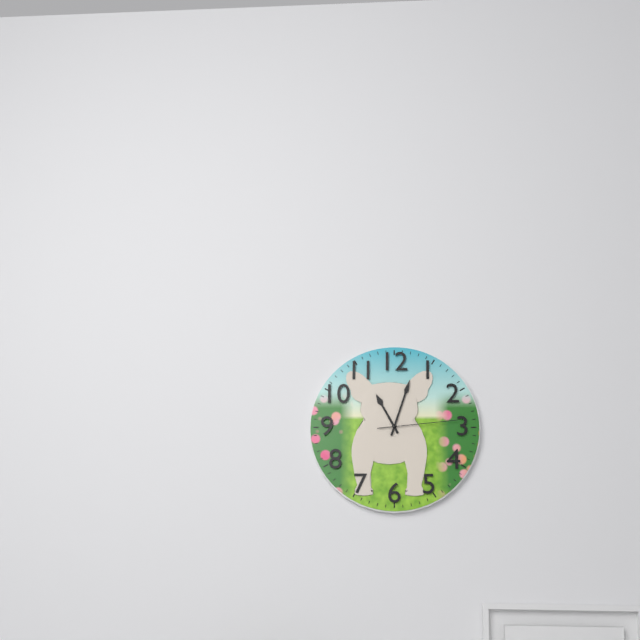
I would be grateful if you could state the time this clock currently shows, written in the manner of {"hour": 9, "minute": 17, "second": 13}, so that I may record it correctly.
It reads {"hour": 11, "minute": 3, "second": 14}
